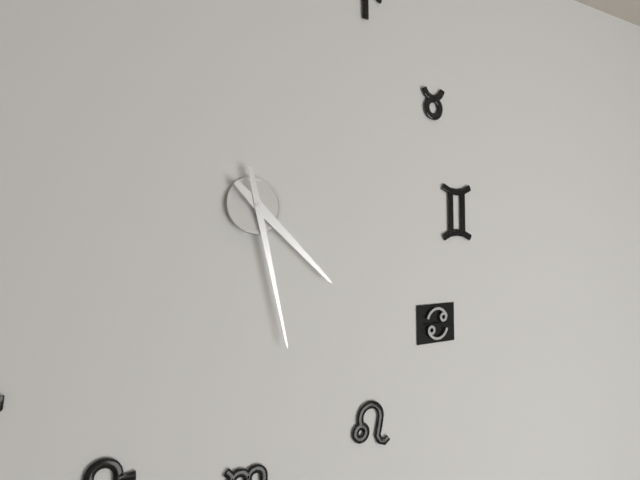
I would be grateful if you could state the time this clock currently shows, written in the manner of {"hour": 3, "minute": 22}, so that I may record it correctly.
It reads {"hour": 4, "minute": 28}
